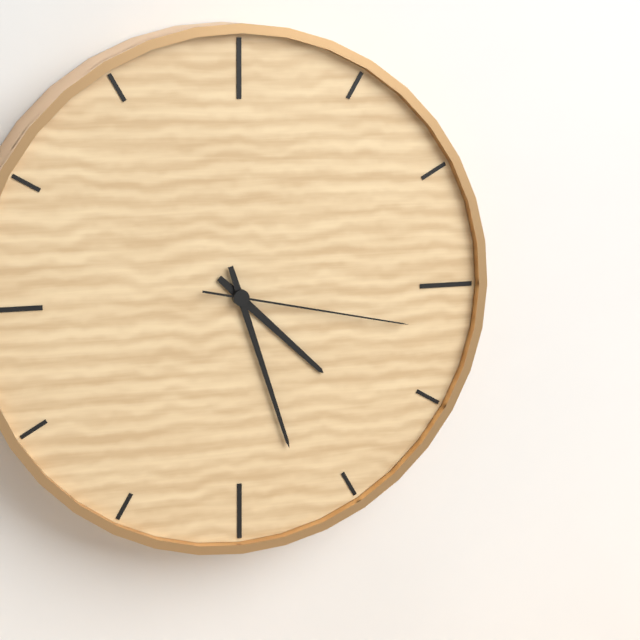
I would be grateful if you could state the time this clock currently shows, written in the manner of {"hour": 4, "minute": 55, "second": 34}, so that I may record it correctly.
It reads {"hour": 4, "minute": 27, "second": 17}
